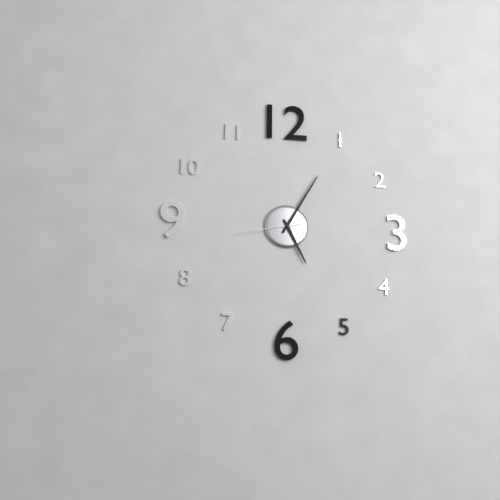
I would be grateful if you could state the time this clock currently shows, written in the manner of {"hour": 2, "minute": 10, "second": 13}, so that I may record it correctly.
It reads {"hour": 5, "minute": 5, "second": 43}
